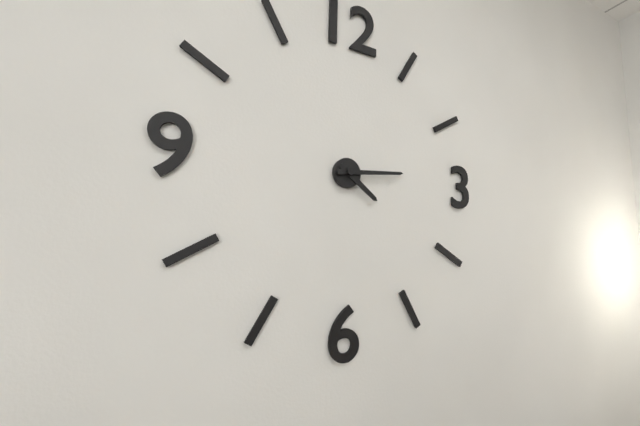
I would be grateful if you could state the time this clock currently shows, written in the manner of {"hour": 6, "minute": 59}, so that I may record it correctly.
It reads {"hour": 4, "minute": 14}
